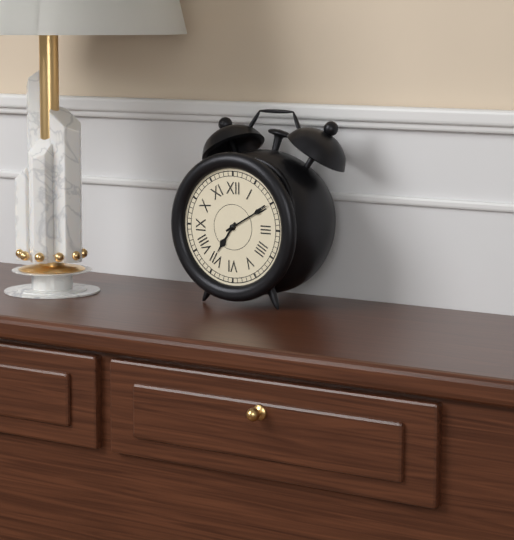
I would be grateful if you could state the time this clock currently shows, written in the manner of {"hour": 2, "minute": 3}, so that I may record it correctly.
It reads {"hour": 7, "minute": 10}
